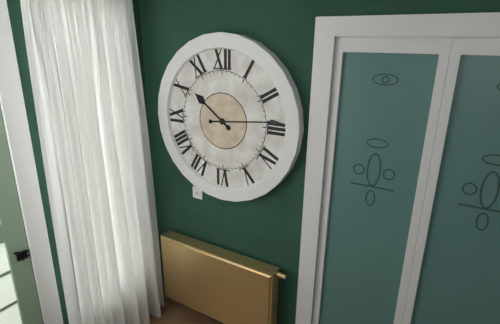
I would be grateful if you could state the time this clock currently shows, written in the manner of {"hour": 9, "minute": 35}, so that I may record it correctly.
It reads {"hour": 10, "minute": 14}
